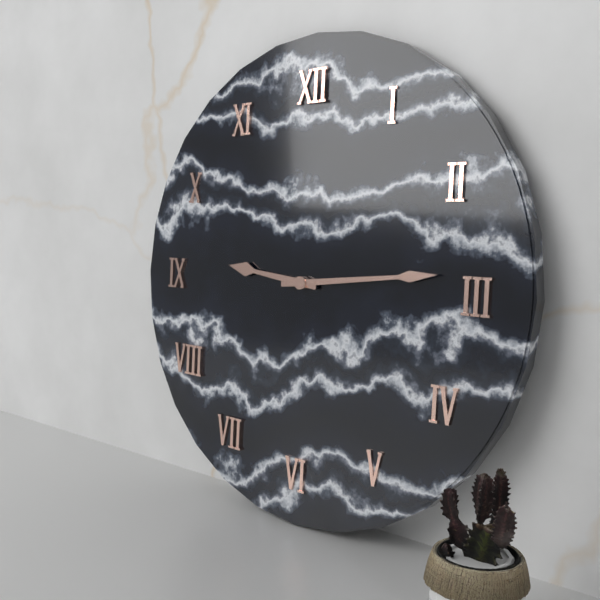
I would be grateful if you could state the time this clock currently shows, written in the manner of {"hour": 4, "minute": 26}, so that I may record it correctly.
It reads {"hour": 9, "minute": 14}
